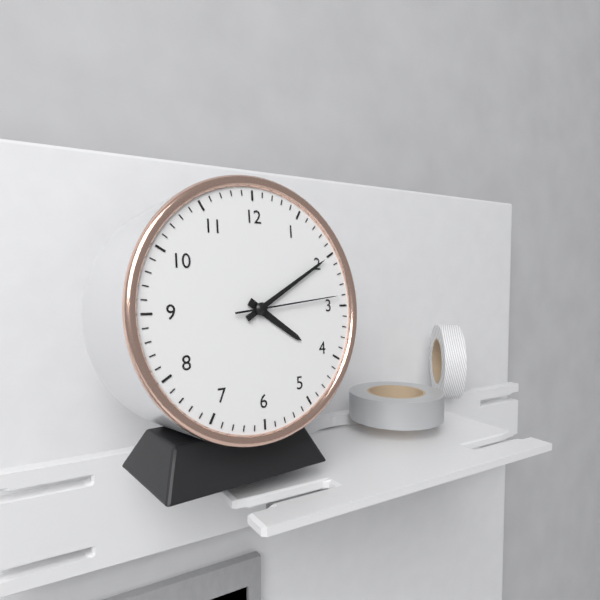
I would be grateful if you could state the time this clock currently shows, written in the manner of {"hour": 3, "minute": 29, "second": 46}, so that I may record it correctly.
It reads {"hour": 4, "minute": 10, "second": 14}
